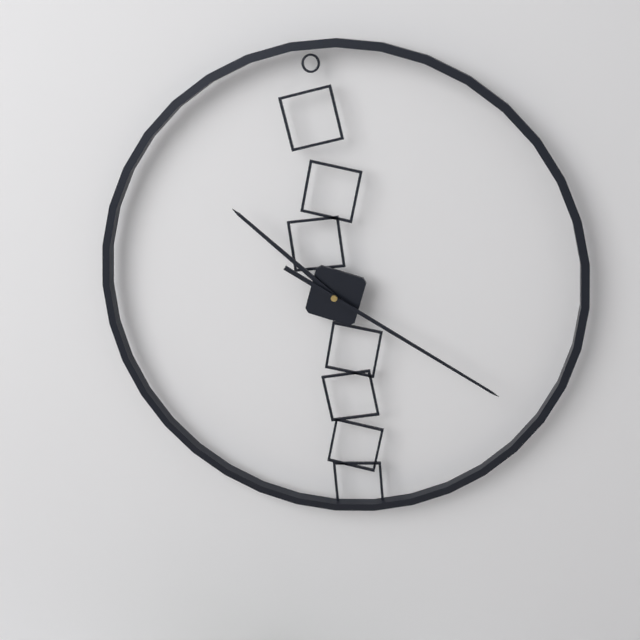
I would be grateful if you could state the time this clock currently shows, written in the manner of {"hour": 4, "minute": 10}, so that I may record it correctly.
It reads {"hour": 10, "minute": 20}
